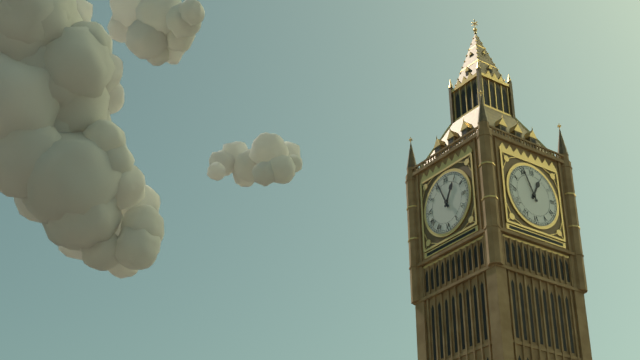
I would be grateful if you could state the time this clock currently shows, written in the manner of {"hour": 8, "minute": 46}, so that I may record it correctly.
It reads {"hour": 12, "minute": 56}
